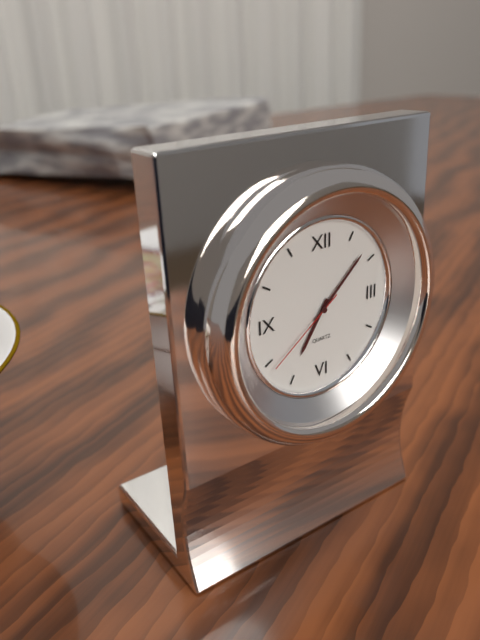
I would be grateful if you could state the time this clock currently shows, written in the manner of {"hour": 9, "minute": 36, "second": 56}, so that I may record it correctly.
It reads {"hour": 7, "minute": 8, "second": 39}
